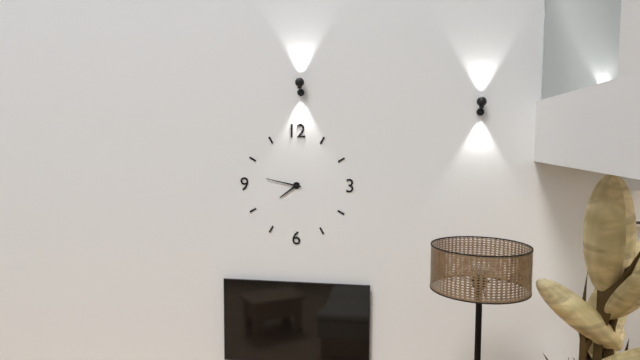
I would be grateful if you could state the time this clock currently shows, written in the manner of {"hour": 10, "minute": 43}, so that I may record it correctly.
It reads {"hour": 7, "minute": 47}
